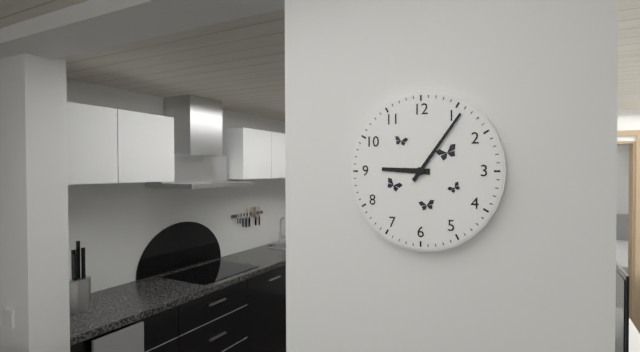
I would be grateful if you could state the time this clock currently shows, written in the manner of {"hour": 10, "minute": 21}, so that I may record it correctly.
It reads {"hour": 9, "minute": 6}
